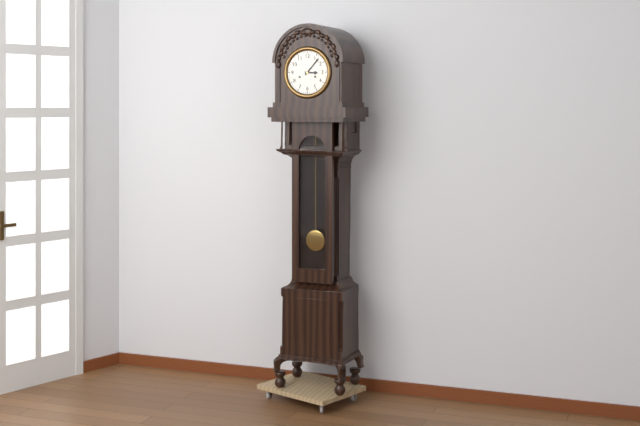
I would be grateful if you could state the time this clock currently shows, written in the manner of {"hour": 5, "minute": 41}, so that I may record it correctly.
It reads {"hour": 3, "minute": 7}
